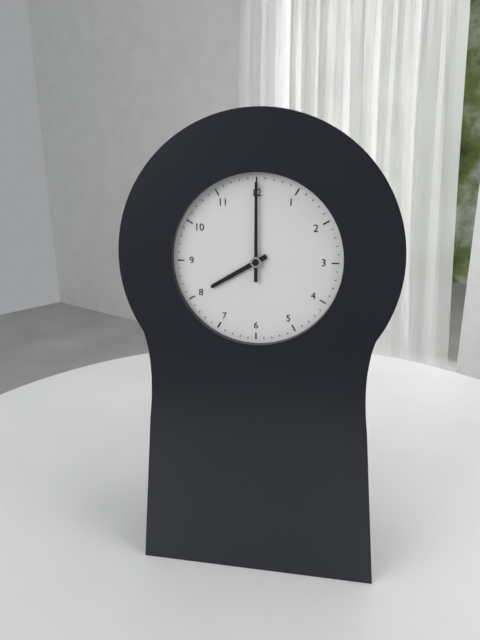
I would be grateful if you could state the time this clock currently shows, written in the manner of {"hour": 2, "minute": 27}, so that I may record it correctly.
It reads {"hour": 8, "minute": 0}
